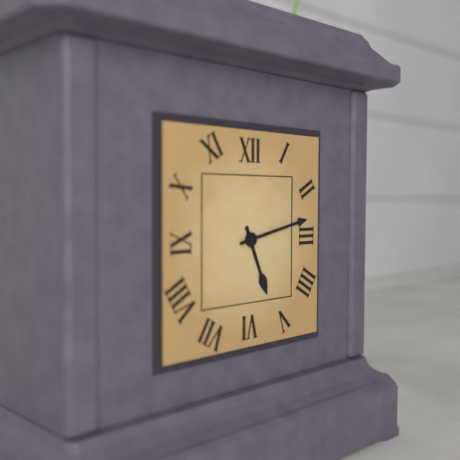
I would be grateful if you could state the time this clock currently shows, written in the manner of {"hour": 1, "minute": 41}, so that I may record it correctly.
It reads {"hour": 5, "minute": 13}
